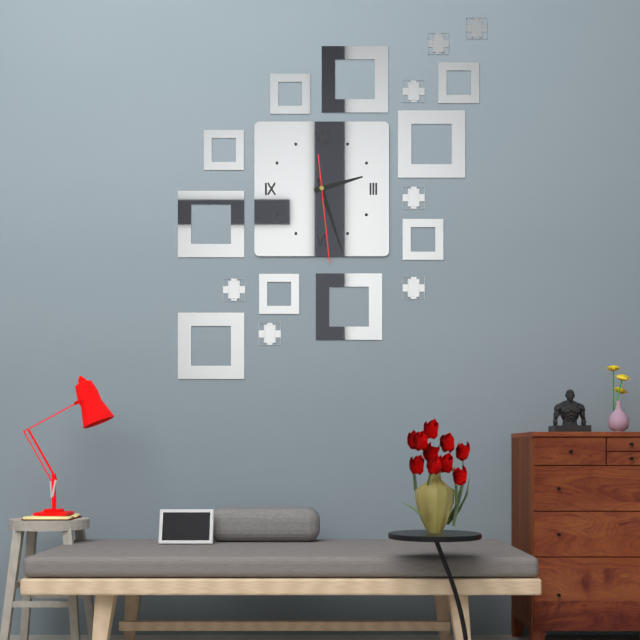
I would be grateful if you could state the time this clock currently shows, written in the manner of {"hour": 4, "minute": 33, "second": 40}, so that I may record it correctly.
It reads {"hour": 2, "minute": 27, "second": 29}
